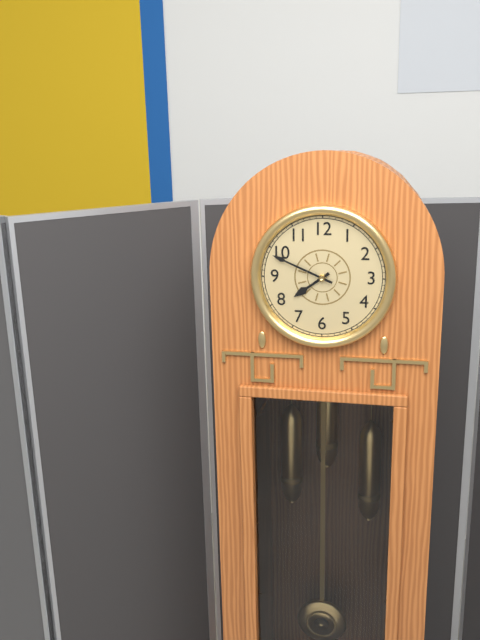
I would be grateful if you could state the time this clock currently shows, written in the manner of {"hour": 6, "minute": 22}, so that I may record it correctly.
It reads {"hour": 7, "minute": 49}
